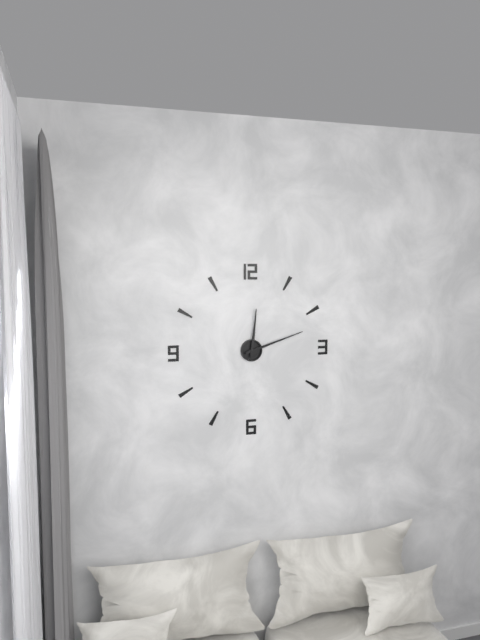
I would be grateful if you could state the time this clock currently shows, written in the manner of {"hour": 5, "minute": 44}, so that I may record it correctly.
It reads {"hour": 12, "minute": 12}
